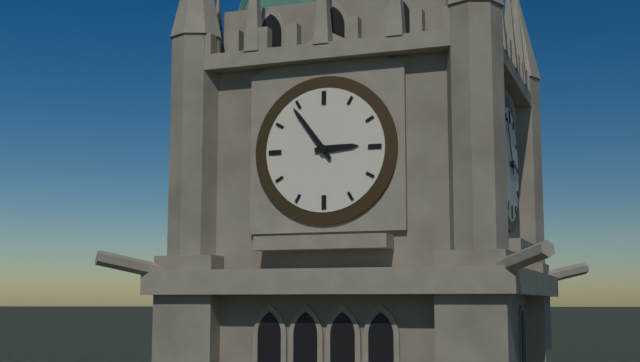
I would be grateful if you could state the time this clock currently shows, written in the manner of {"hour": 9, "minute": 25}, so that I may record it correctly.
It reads {"hour": 2, "minute": 54}
